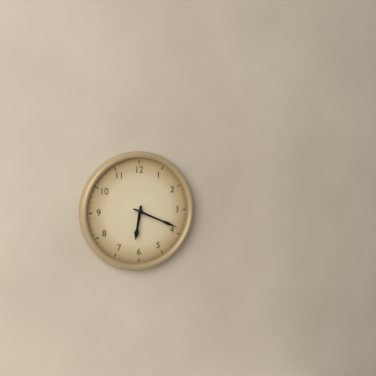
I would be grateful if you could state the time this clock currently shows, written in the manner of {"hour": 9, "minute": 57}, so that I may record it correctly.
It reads {"hour": 6, "minute": 19}
